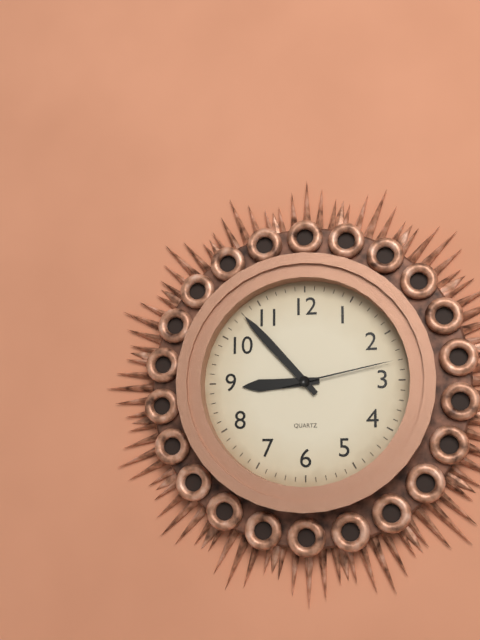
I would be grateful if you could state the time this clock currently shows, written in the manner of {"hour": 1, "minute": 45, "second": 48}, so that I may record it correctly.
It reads {"hour": 8, "minute": 53, "second": 13}
